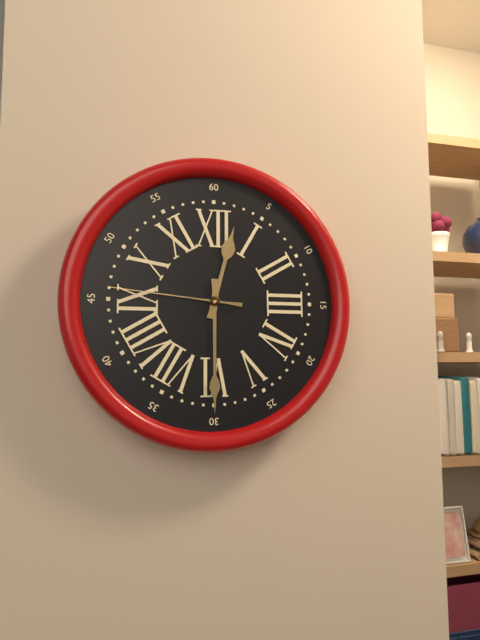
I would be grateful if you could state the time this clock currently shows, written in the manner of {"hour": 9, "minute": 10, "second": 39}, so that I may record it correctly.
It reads {"hour": 12, "minute": 30, "second": 46}
